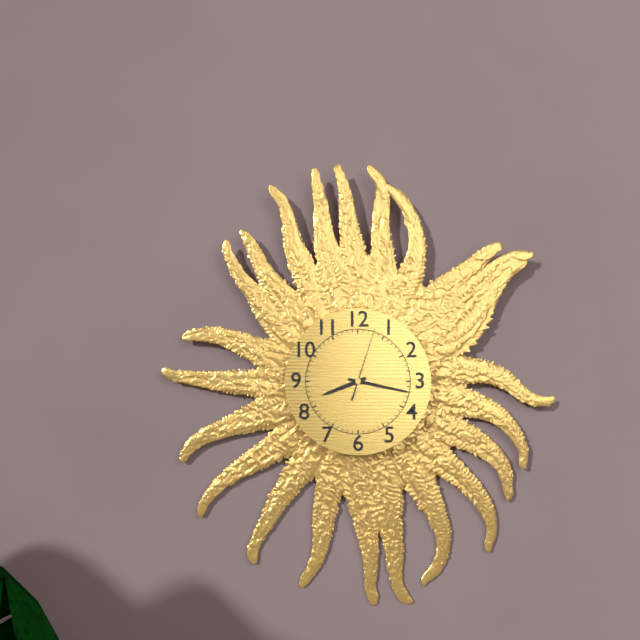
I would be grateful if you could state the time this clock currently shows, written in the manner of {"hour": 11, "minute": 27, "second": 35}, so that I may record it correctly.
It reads {"hour": 8, "minute": 17, "second": 3}
